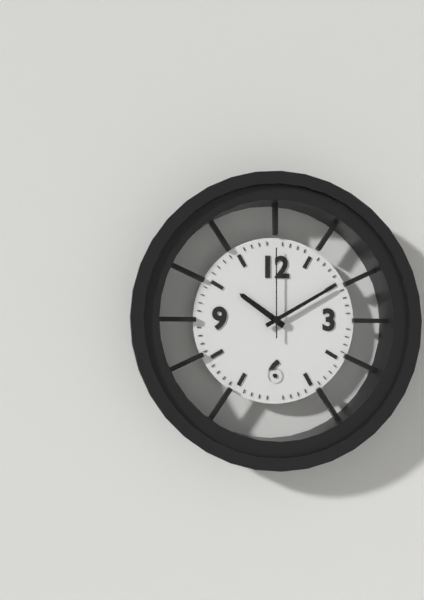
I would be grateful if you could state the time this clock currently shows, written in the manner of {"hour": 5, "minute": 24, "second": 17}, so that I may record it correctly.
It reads {"hour": 10, "minute": 10, "second": 0}
